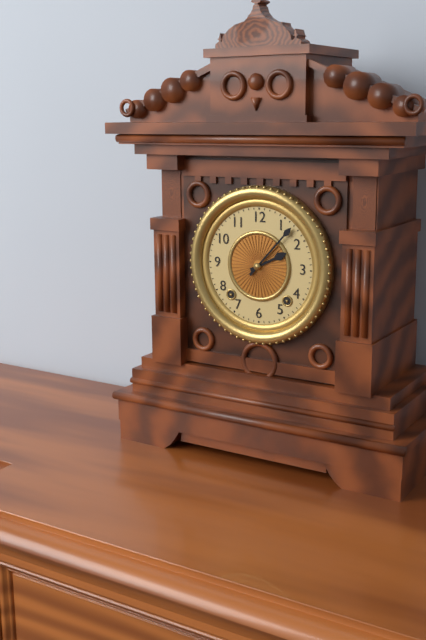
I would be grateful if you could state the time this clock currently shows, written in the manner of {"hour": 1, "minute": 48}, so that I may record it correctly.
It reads {"hour": 2, "minute": 7}
